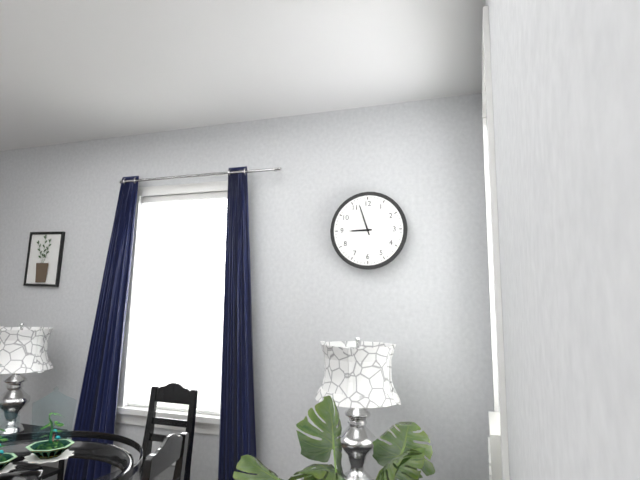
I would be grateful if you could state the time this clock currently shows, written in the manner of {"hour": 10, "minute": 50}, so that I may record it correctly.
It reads {"hour": 8, "minute": 57}
